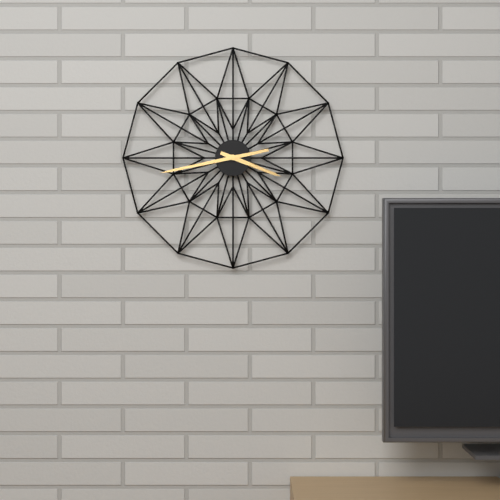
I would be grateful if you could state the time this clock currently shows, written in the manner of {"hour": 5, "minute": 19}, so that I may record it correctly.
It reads {"hour": 3, "minute": 43}
